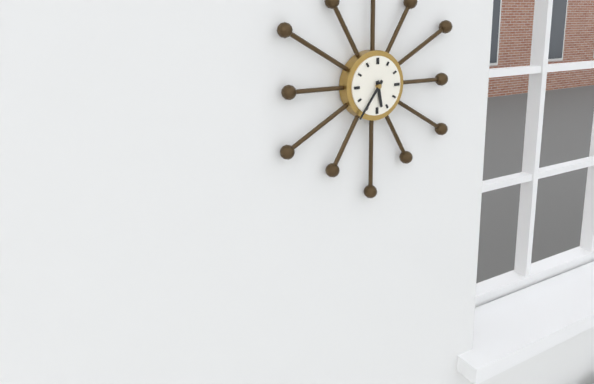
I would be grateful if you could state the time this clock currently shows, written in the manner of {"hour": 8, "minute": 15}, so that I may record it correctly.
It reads {"hour": 5, "minute": 36}
